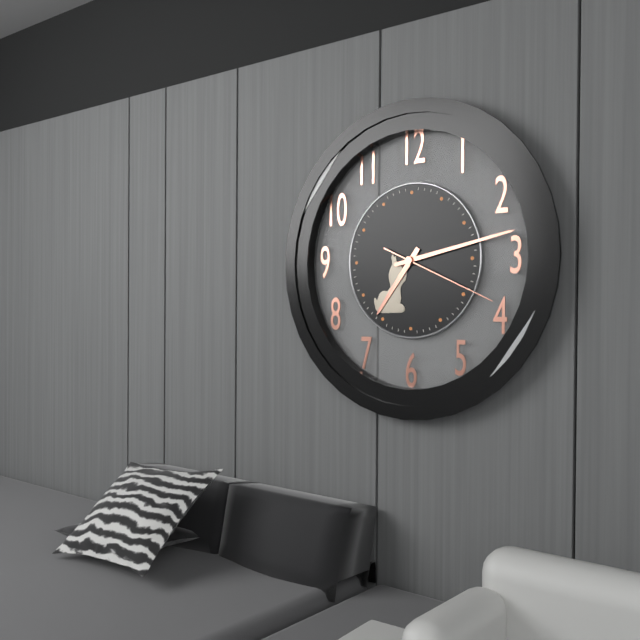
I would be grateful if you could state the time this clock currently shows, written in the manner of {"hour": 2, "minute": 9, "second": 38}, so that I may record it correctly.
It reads {"hour": 7, "minute": 13, "second": 19}
